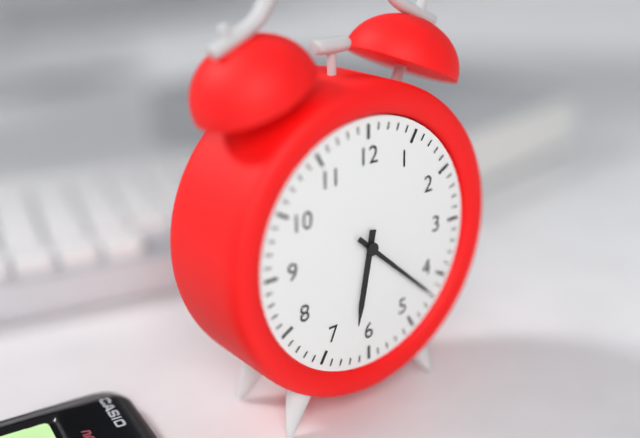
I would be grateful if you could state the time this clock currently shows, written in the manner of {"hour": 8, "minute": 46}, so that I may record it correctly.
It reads {"hour": 6, "minute": 22}
